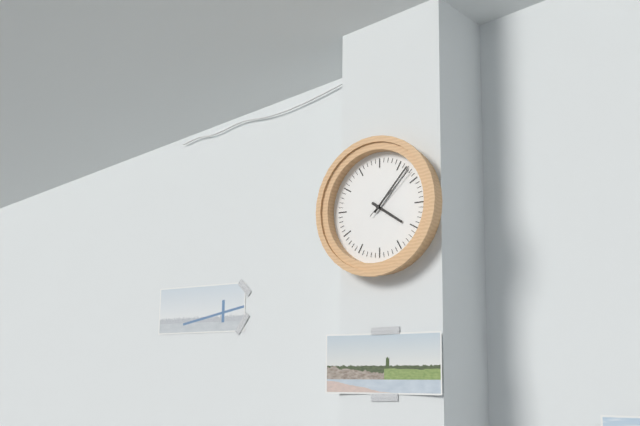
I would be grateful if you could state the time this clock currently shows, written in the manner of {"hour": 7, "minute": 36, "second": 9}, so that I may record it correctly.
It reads {"hour": 4, "minute": 7, "second": 8}
